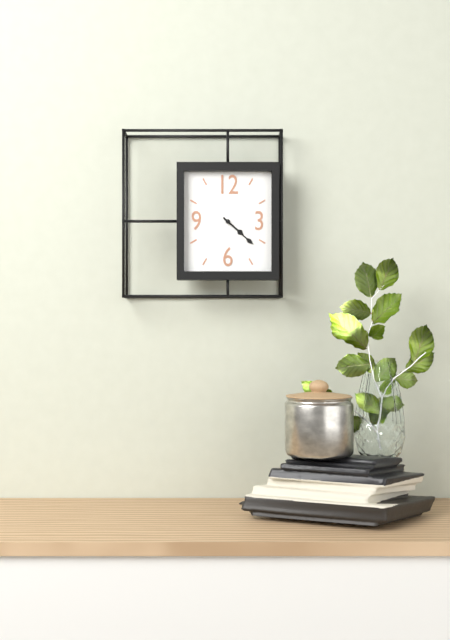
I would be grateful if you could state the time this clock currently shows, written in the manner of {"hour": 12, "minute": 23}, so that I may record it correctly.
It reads {"hour": 4, "minute": 22}
